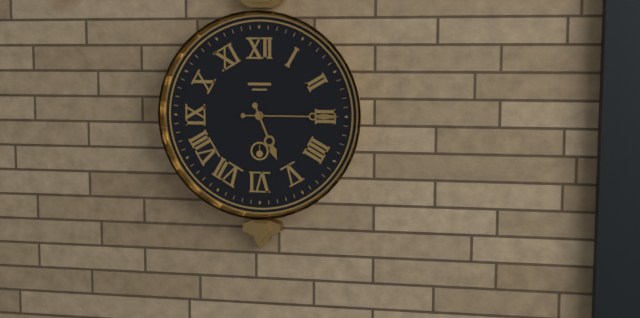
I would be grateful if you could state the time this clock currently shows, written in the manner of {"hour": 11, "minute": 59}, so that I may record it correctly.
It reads {"hour": 5, "minute": 15}
